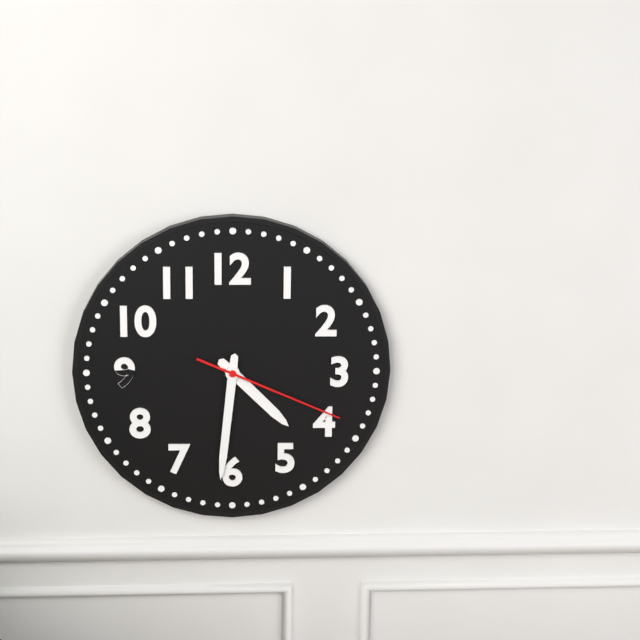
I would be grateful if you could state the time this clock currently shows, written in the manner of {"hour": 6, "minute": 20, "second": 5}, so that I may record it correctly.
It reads {"hour": 4, "minute": 31, "second": 19}
